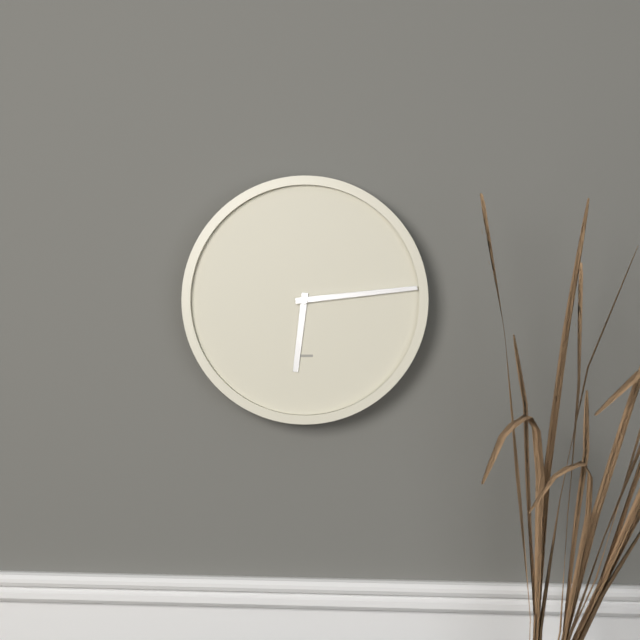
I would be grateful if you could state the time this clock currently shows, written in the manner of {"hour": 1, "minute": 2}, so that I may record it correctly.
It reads {"hour": 6, "minute": 14}
